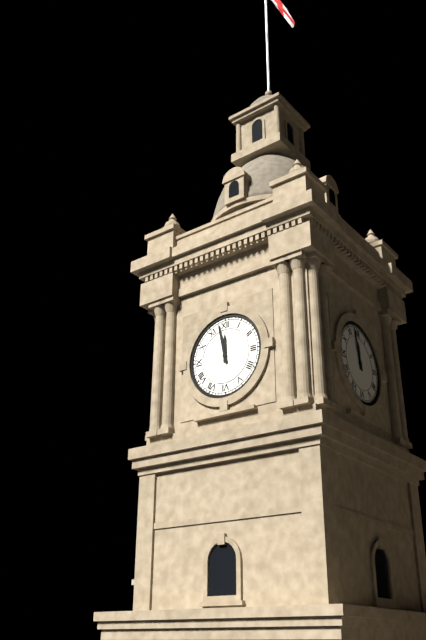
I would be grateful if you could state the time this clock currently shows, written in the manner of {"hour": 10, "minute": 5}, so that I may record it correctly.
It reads {"hour": 11, "minute": 58}
